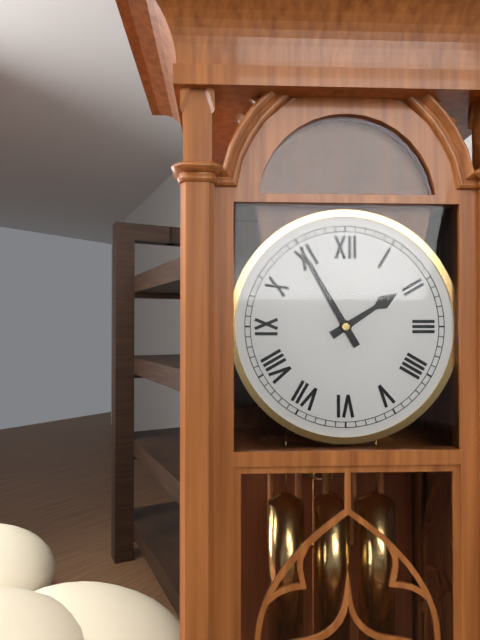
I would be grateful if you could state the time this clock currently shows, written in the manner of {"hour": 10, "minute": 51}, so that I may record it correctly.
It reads {"hour": 1, "minute": 55}
